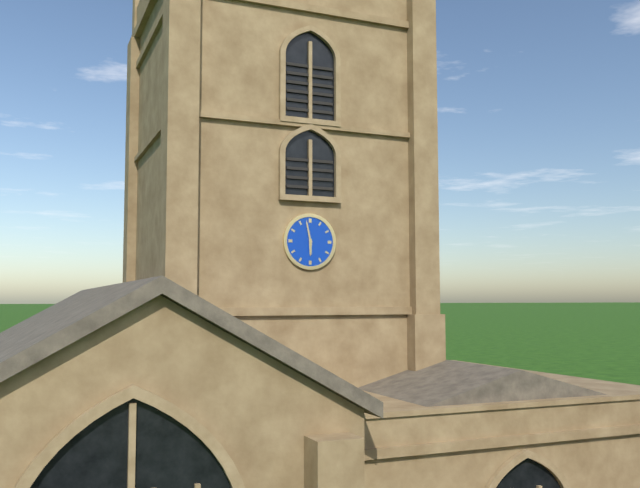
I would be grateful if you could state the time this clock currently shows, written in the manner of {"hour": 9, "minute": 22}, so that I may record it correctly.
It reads {"hour": 5, "minute": 58}
